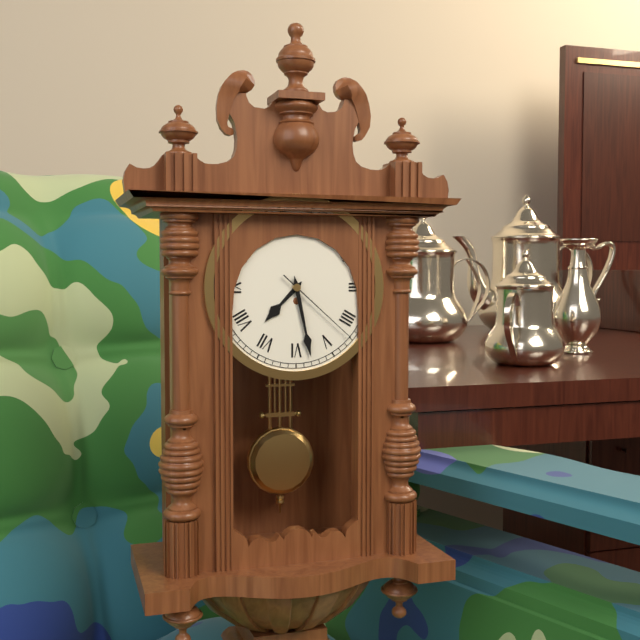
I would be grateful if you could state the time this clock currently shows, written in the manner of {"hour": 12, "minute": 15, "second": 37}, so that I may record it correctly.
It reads {"hour": 7, "minute": 28, "second": 22}
